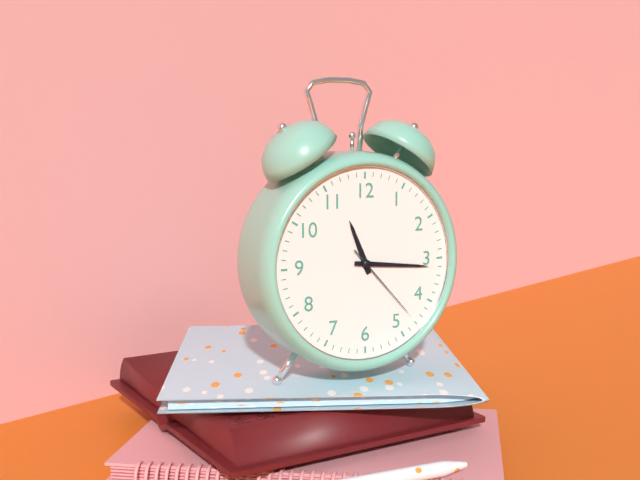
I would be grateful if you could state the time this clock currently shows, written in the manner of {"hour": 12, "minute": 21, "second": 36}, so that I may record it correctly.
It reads {"hour": 11, "minute": 16, "second": 23}
